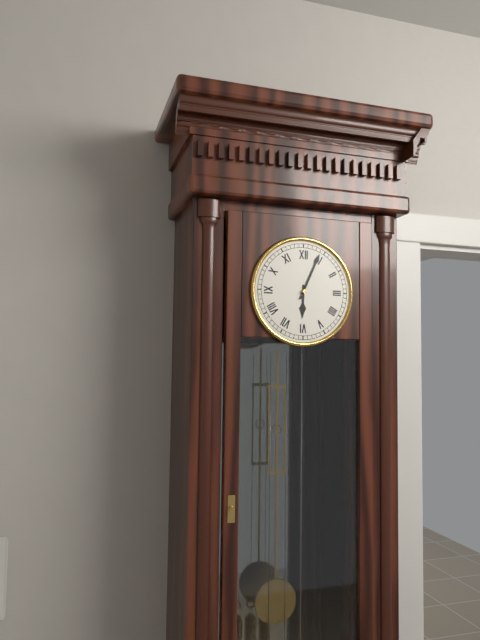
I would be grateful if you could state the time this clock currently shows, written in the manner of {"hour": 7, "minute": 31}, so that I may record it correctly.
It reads {"hour": 6, "minute": 4}
